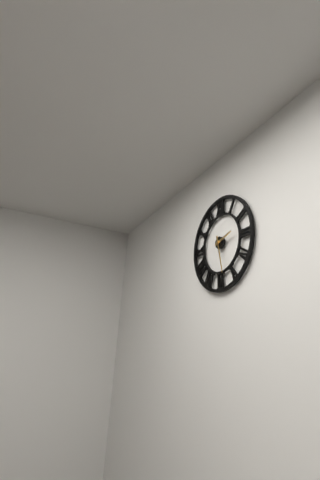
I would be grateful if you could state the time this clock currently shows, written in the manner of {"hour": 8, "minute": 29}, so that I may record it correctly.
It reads {"hour": 2, "minute": 28}
